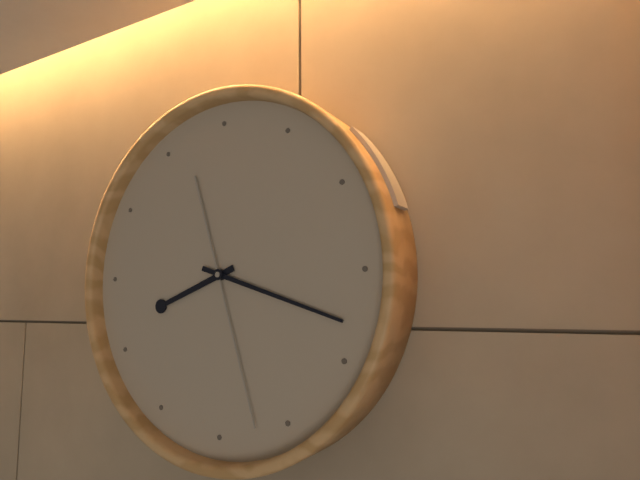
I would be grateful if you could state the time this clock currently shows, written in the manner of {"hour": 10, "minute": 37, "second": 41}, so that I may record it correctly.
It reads {"hour": 8, "minute": 18, "second": 27}
